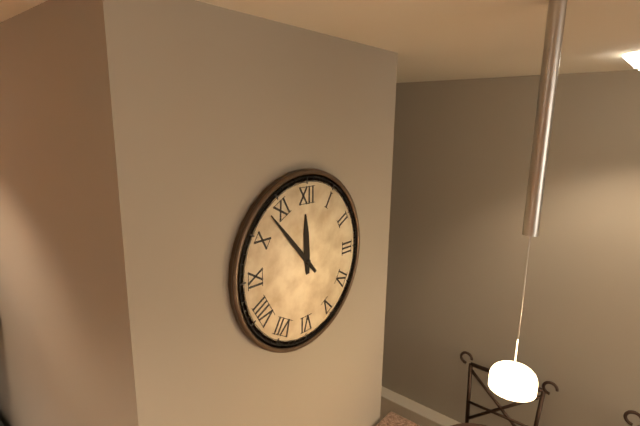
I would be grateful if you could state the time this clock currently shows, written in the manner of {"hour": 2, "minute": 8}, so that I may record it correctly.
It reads {"hour": 11, "minute": 53}
